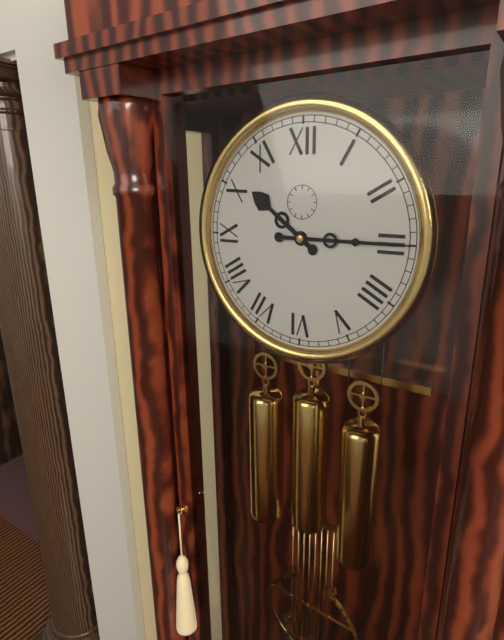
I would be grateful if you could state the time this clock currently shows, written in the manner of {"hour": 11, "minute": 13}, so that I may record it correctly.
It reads {"hour": 10, "minute": 15}
